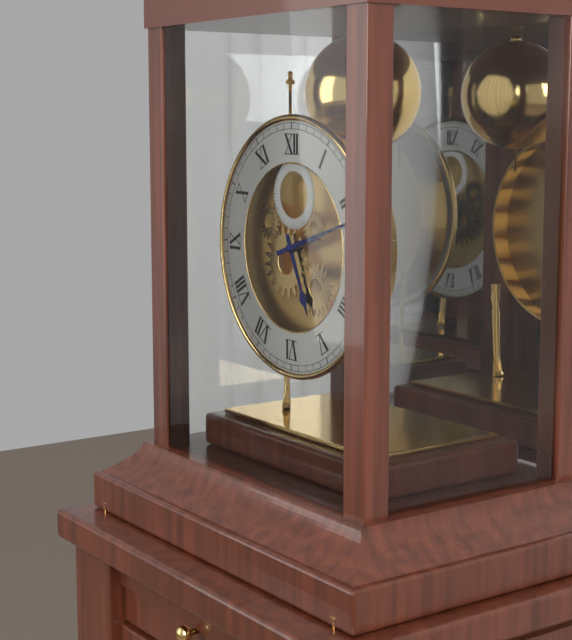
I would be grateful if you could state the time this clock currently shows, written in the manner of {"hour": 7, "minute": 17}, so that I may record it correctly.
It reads {"hour": 5, "minute": 12}
